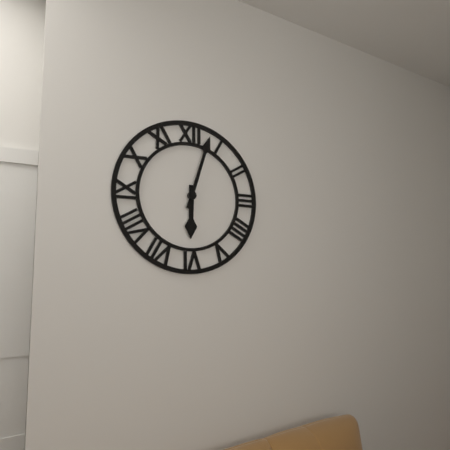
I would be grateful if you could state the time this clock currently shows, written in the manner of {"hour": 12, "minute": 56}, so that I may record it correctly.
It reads {"hour": 6, "minute": 3}
